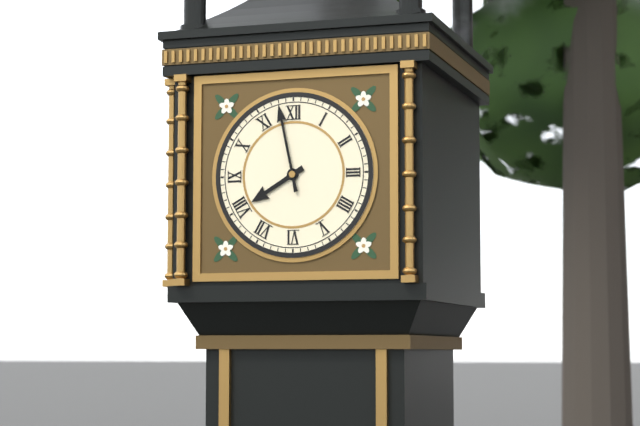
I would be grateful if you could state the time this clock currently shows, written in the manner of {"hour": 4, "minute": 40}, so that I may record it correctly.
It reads {"hour": 7, "minute": 58}
